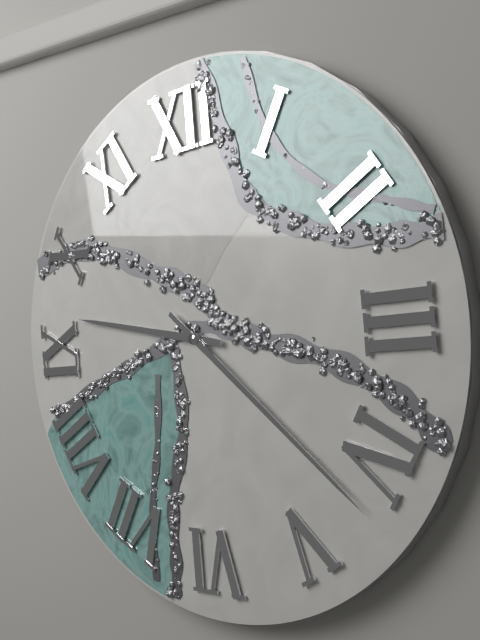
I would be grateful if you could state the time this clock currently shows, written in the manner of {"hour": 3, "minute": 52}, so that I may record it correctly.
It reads {"hour": 9, "minute": 22}
